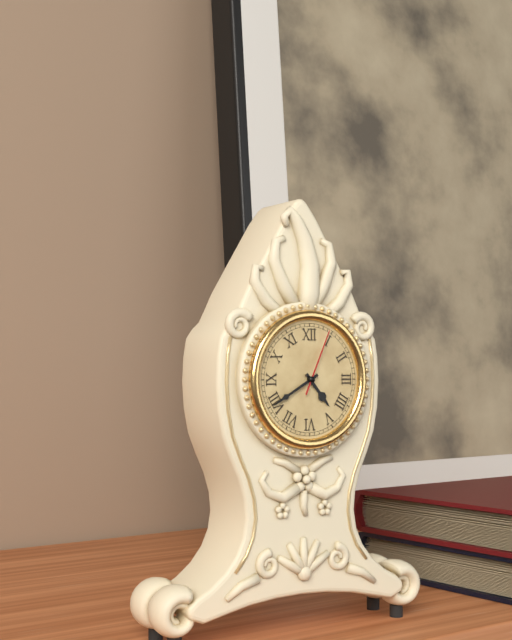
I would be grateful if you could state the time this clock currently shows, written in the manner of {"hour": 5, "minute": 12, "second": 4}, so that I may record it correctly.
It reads {"hour": 4, "minute": 40, "second": 4}
